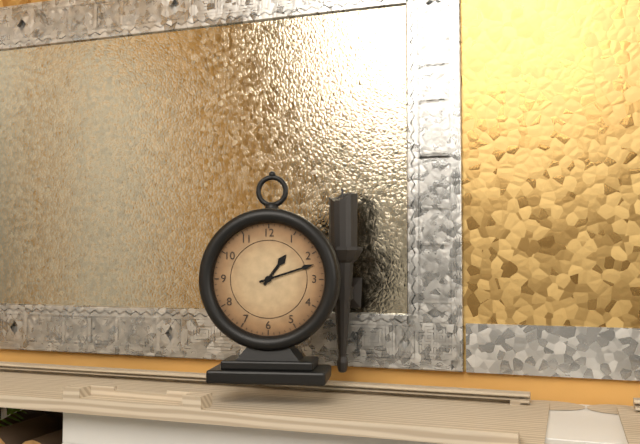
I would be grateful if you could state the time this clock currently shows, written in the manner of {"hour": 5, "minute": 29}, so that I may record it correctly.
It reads {"hour": 1, "minute": 12}
